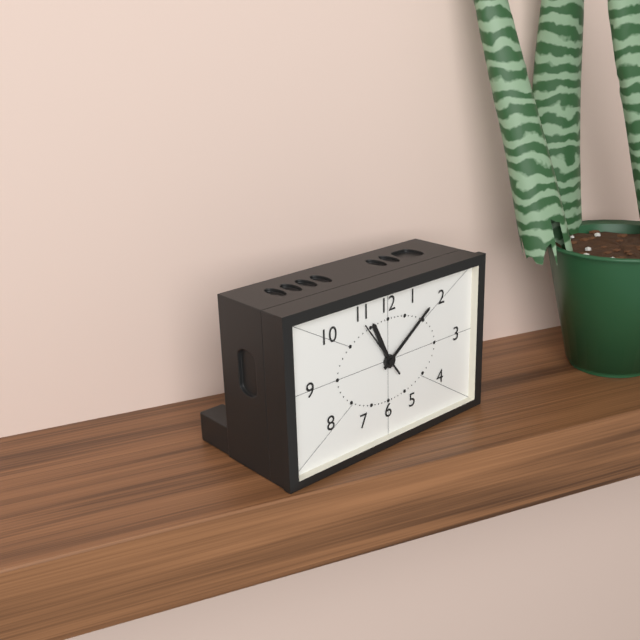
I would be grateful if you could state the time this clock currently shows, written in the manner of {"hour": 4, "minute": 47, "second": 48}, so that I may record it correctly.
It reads {"hour": 11, "minute": 9, "second": 54}
